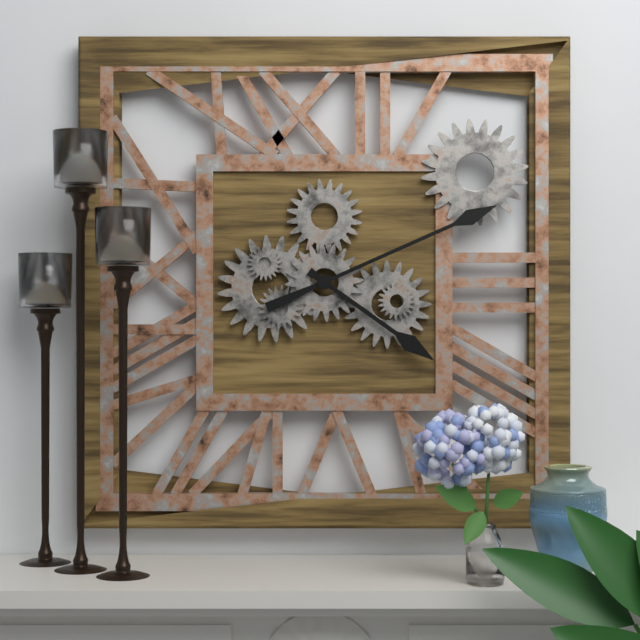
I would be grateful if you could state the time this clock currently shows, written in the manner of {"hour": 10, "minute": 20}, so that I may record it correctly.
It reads {"hour": 4, "minute": 11}
